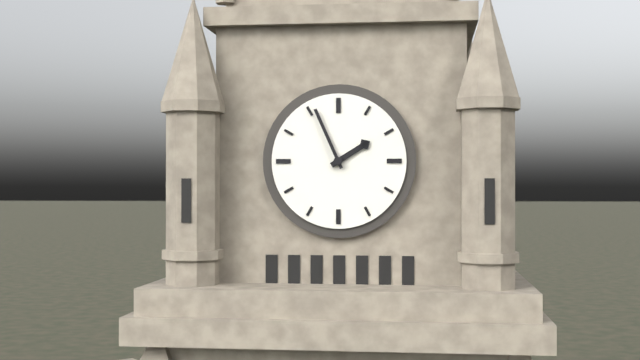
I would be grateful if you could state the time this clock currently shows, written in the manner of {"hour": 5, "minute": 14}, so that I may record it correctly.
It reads {"hour": 1, "minute": 56}
